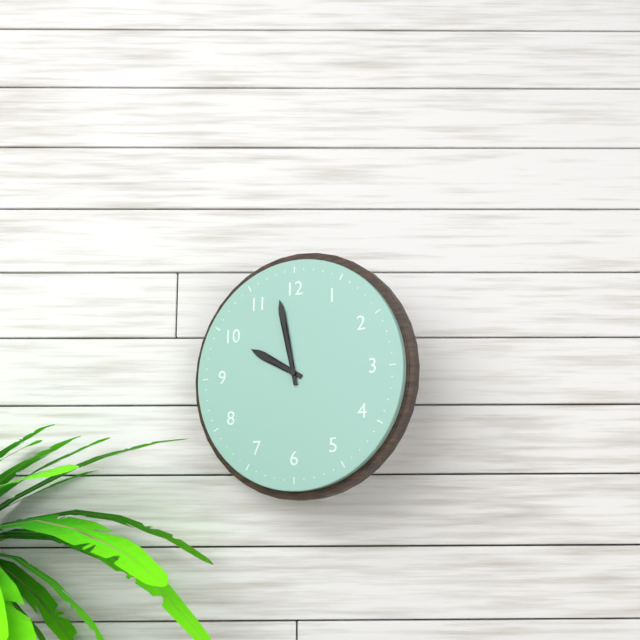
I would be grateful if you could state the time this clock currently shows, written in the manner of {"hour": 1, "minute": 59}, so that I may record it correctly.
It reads {"hour": 9, "minute": 58}
